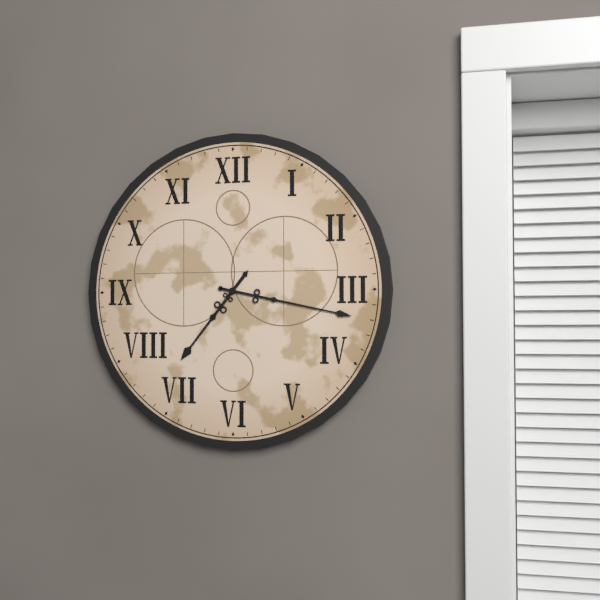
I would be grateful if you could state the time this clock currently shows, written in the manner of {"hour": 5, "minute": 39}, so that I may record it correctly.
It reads {"hour": 7, "minute": 17}
